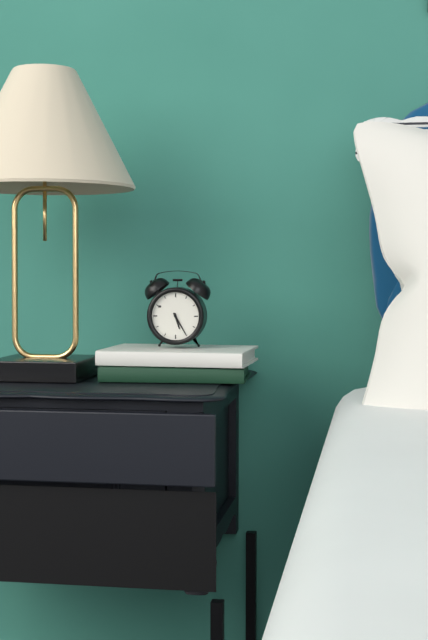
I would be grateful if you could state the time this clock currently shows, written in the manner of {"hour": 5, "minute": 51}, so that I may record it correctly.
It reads {"hour": 5, "minute": 25}
